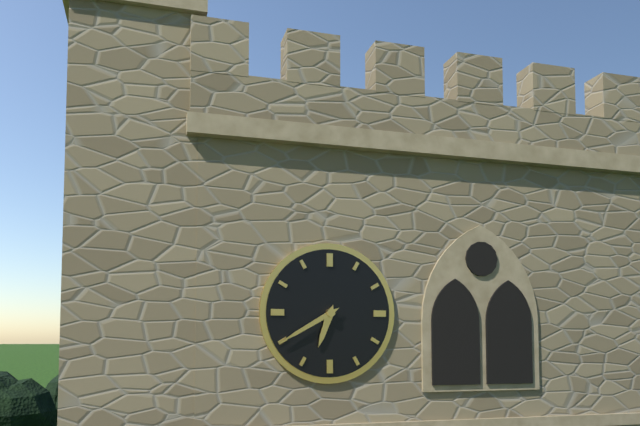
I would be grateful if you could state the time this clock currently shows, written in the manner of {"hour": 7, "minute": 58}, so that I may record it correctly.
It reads {"hour": 6, "minute": 40}
